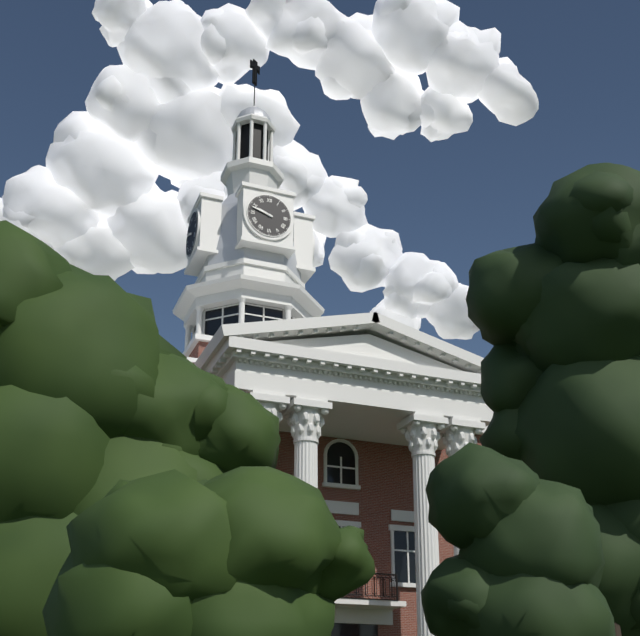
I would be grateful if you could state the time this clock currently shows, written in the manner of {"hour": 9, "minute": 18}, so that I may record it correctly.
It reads {"hour": 9, "minute": 48}
